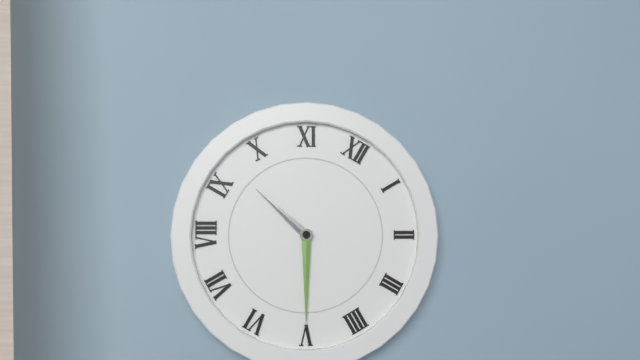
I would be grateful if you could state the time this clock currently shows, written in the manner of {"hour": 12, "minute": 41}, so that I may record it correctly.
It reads {"hour": 9, "minute": 25}
